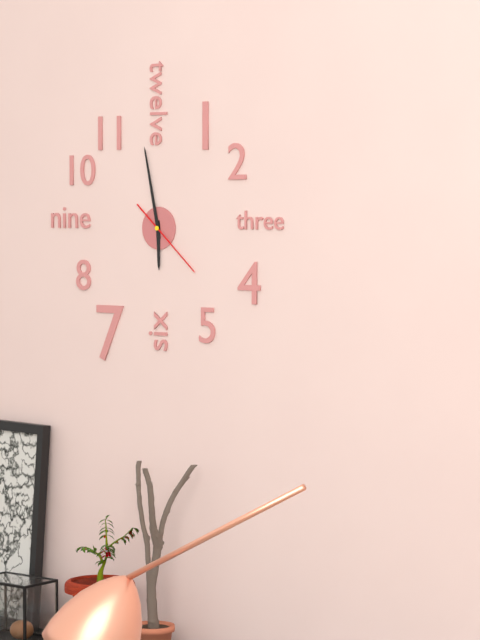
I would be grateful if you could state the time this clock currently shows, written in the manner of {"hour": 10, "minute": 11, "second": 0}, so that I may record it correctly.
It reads {"hour": 5, "minute": 58, "second": 22}
